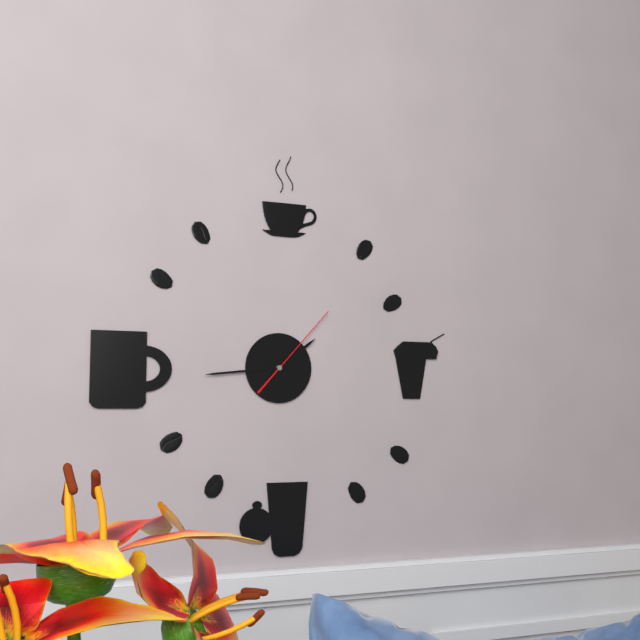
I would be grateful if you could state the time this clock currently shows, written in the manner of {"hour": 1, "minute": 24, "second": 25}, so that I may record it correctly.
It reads {"hour": 1, "minute": 44, "second": 7}
